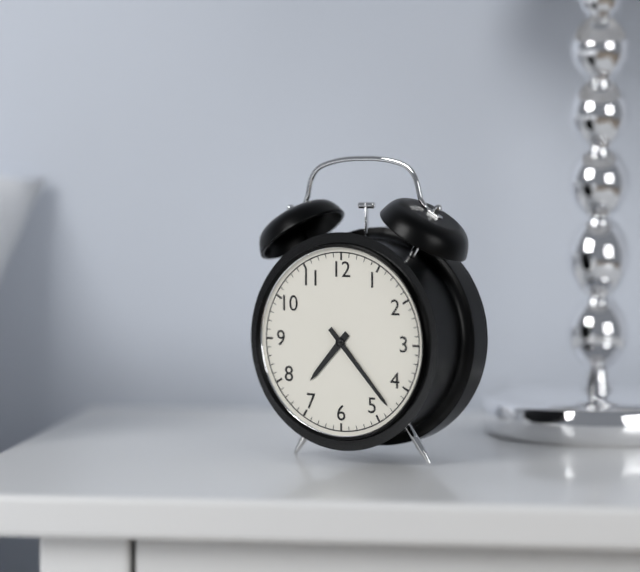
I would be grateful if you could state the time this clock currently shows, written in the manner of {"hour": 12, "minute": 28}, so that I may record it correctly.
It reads {"hour": 7, "minute": 23}
